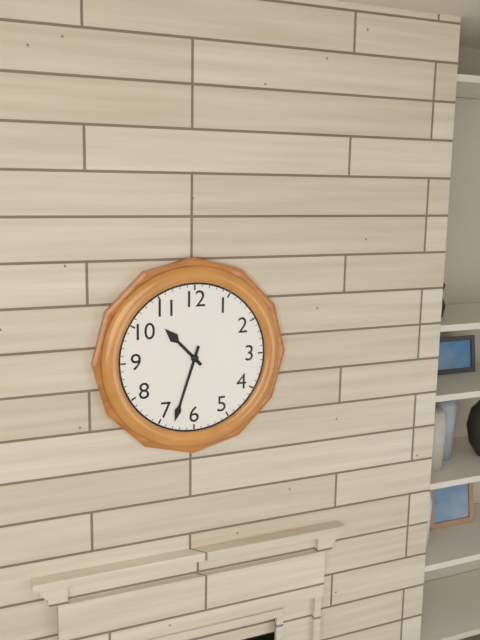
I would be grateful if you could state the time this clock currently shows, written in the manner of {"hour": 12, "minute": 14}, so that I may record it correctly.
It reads {"hour": 10, "minute": 33}
